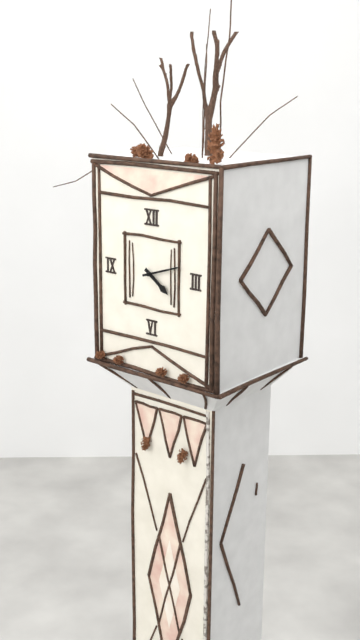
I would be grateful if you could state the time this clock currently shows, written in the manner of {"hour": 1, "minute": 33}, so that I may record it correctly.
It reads {"hour": 4, "minute": 12}
